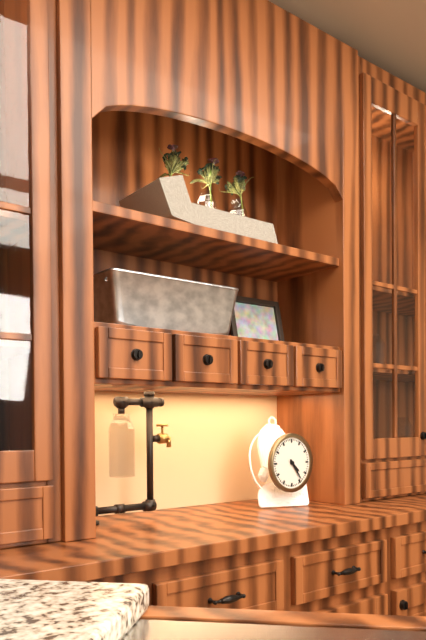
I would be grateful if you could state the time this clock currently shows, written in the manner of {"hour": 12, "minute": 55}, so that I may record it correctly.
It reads {"hour": 4, "minute": 24}
